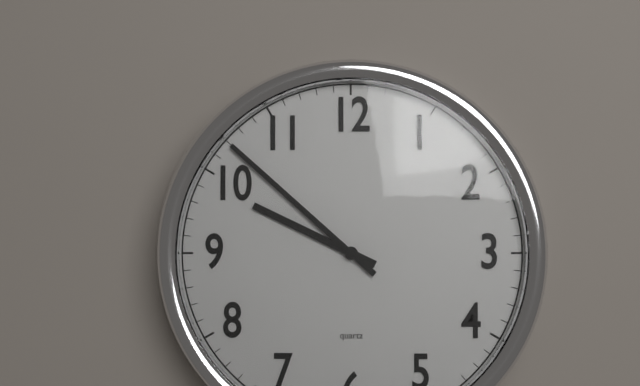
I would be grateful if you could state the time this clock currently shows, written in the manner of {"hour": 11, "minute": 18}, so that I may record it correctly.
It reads {"hour": 9, "minute": 52}
